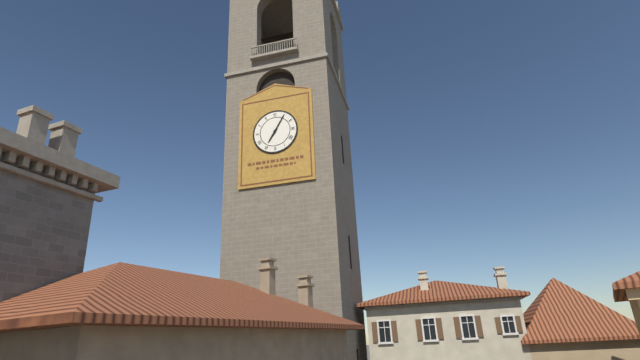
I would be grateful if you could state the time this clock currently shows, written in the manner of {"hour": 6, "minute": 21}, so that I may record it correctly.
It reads {"hour": 7, "minute": 5}
